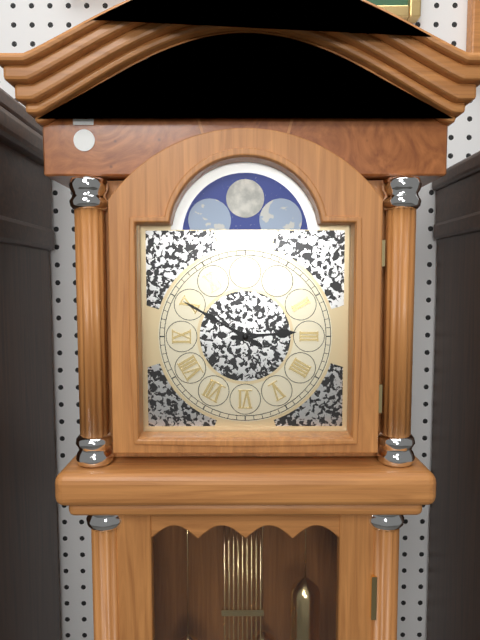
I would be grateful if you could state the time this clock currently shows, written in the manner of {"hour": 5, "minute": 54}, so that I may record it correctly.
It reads {"hour": 2, "minute": 50}
